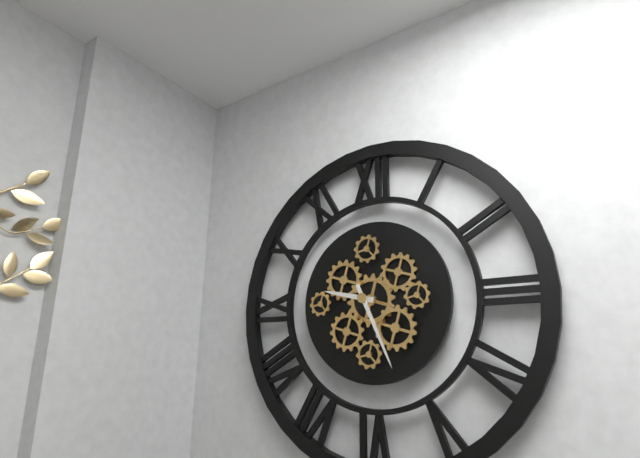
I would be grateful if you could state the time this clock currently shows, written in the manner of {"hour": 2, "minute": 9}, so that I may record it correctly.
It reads {"hour": 9, "minute": 26}
